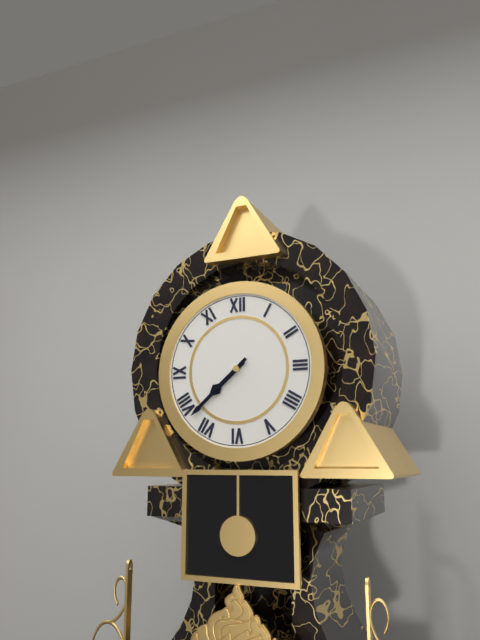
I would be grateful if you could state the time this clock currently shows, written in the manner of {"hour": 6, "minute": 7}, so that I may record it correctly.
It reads {"hour": 7, "minute": 38}
